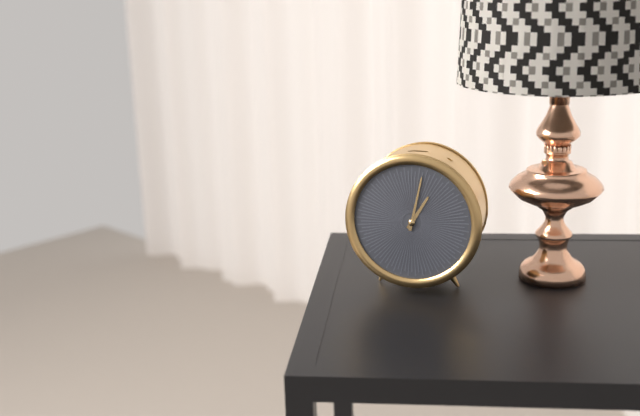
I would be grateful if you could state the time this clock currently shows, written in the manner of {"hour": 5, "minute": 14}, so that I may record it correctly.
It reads {"hour": 1, "minute": 2}
